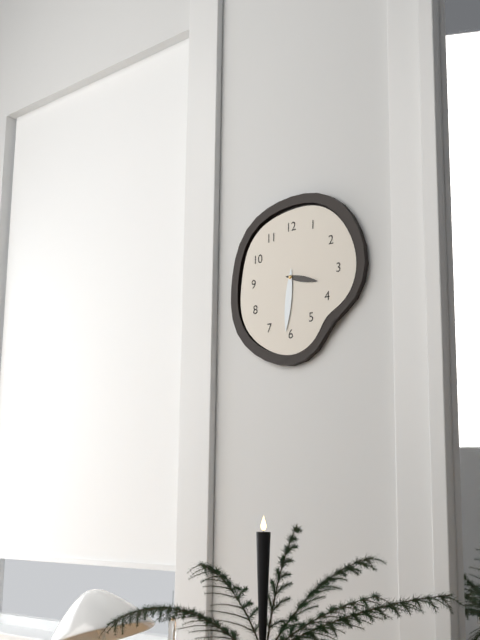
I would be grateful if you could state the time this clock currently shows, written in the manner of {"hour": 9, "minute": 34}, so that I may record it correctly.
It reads {"hour": 3, "minute": 31}
